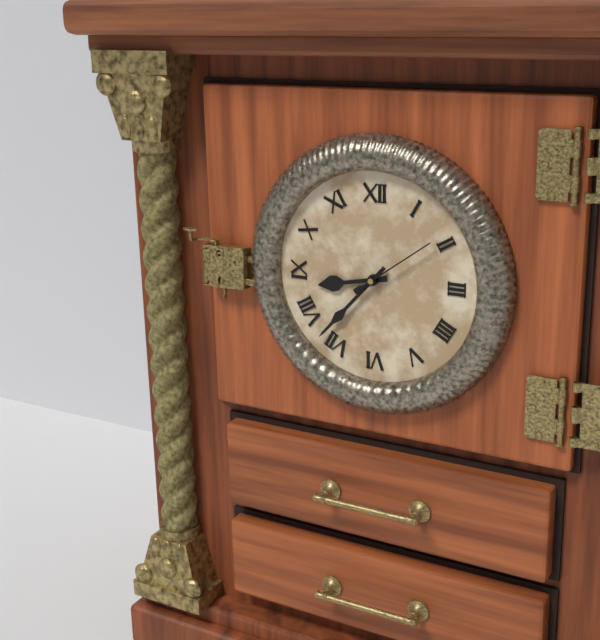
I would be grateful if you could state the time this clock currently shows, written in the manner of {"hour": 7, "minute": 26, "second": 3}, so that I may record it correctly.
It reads {"hour": 8, "minute": 37, "second": 9}
